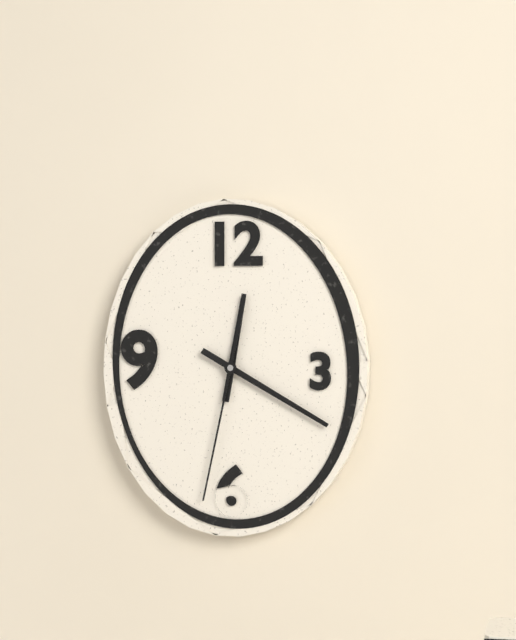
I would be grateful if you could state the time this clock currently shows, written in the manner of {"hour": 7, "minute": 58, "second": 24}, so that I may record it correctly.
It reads {"hour": 12, "minute": 20, "second": 32}
